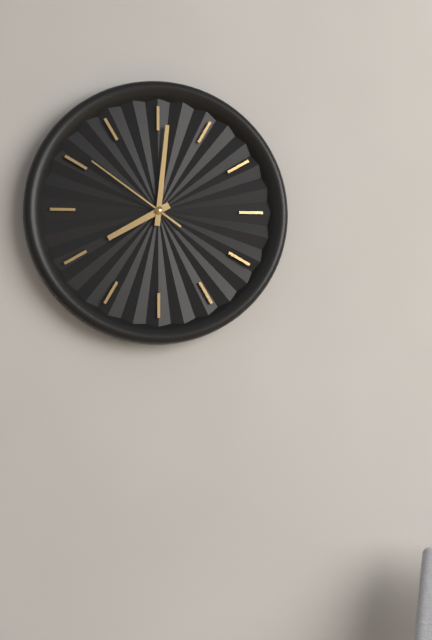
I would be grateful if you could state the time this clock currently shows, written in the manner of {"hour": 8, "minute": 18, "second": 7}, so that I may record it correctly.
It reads {"hour": 8, "minute": 1, "second": 51}
